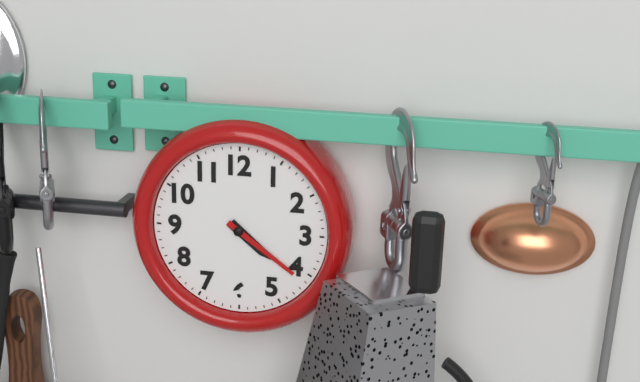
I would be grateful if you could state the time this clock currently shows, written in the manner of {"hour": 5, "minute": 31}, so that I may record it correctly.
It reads {"hour": 4, "minute": 21}
